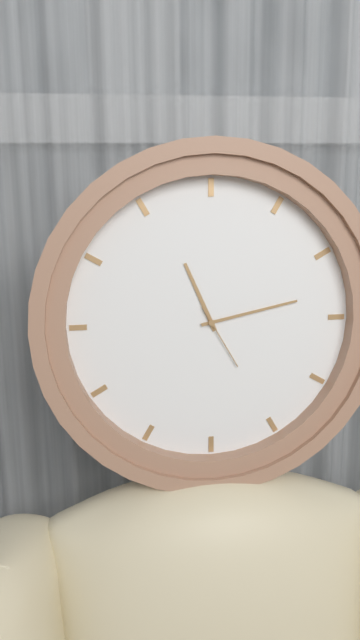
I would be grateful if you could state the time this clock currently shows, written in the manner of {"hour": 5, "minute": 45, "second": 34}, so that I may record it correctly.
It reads {"hour": 11, "minute": 13, "second": 25}
